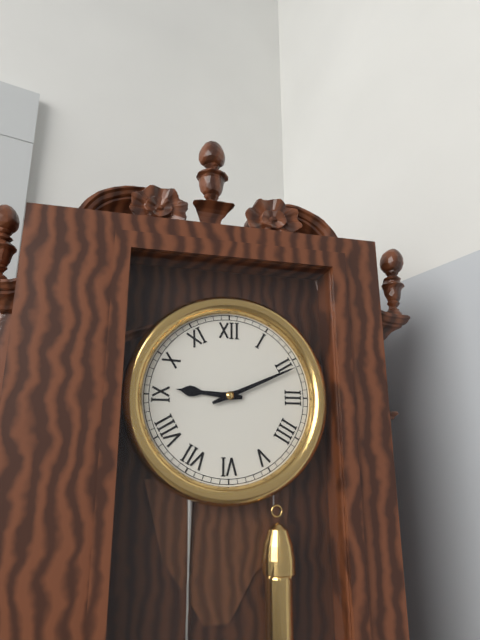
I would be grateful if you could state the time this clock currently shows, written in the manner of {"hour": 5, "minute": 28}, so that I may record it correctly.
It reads {"hour": 9, "minute": 11}
